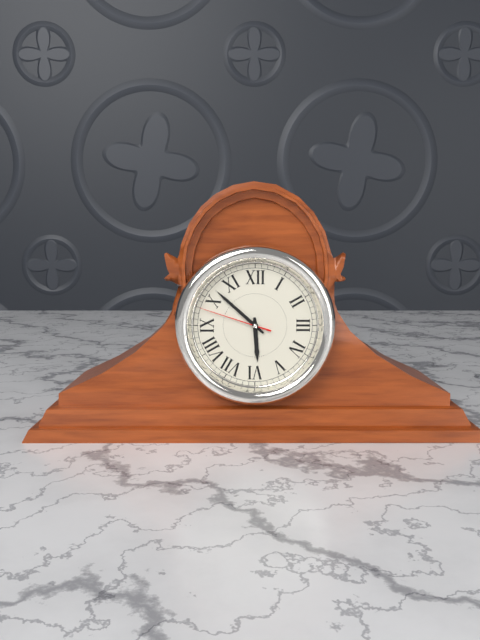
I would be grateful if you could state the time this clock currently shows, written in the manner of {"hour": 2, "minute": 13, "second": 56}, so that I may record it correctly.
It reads {"hour": 5, "minute": 52, "second": 48}
